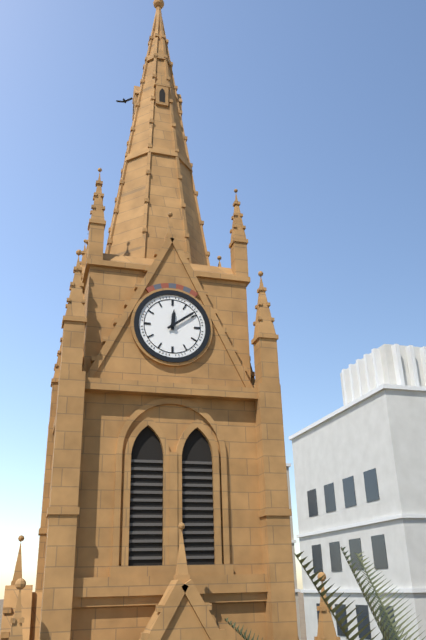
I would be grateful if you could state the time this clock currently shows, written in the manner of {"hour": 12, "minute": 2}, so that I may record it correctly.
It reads {"hour": 12, "minute": 9}
